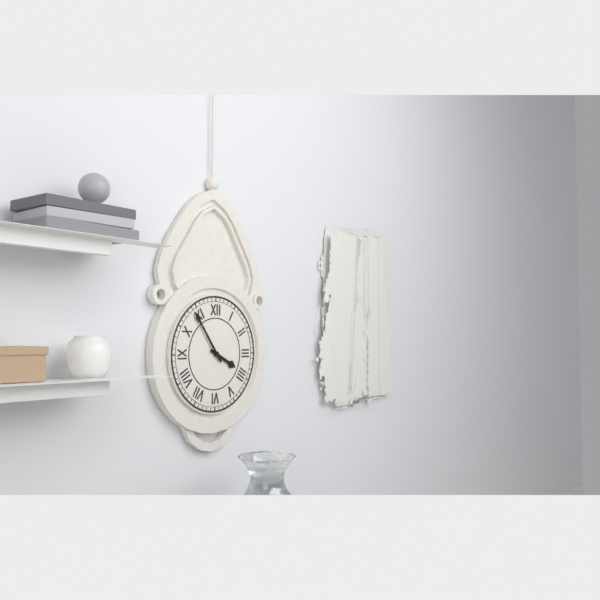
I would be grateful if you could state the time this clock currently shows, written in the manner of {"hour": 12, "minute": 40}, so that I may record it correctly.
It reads {"hour": 3, "minute": 54}
